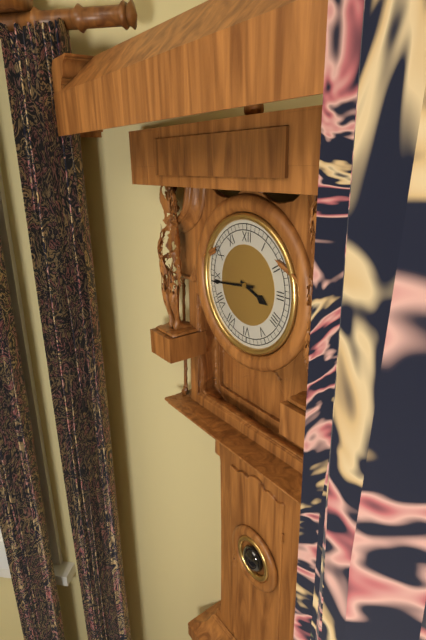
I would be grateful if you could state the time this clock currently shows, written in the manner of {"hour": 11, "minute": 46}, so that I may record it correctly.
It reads {"hour": 3, "minute": 44}
